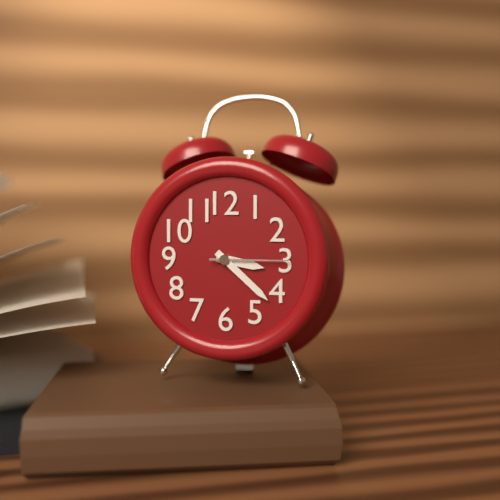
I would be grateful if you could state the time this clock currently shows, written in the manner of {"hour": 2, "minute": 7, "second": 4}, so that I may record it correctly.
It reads {"hour": 3, "minute": 22, "second": 15}
